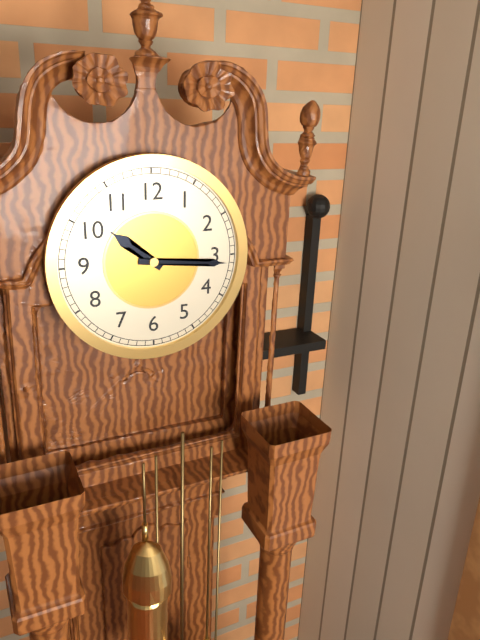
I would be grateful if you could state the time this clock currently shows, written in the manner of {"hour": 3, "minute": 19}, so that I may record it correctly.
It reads {"hour": 10, "minute": 16}
